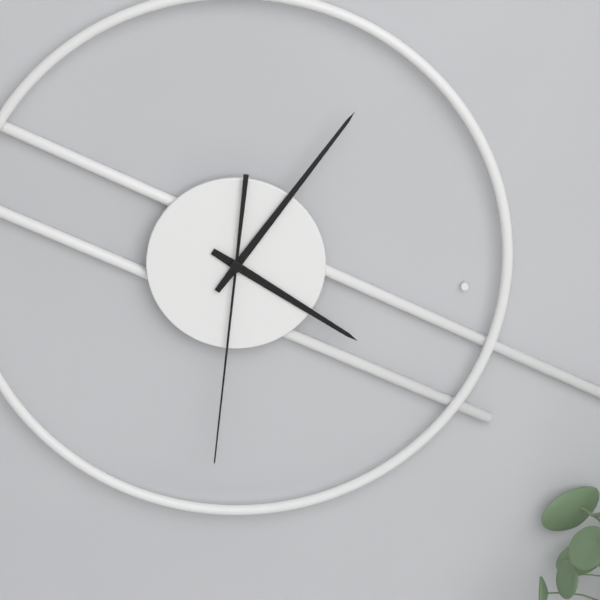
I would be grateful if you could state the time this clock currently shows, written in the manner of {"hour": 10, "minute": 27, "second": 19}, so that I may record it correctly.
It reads {"hour": 4, "minute": 6, "second": 31}
